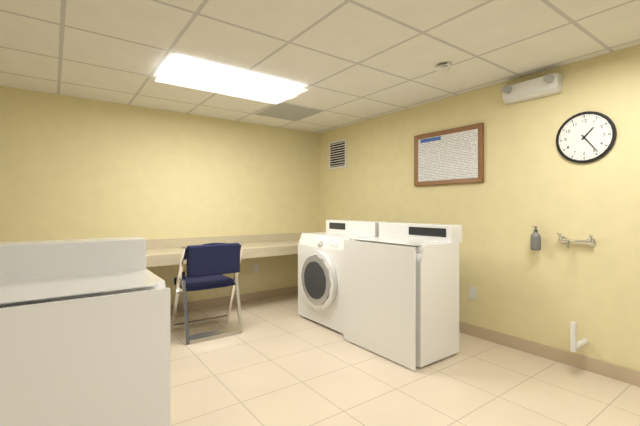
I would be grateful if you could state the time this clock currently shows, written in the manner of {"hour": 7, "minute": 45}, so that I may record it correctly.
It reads {"hour": 1, "minute": 24}
